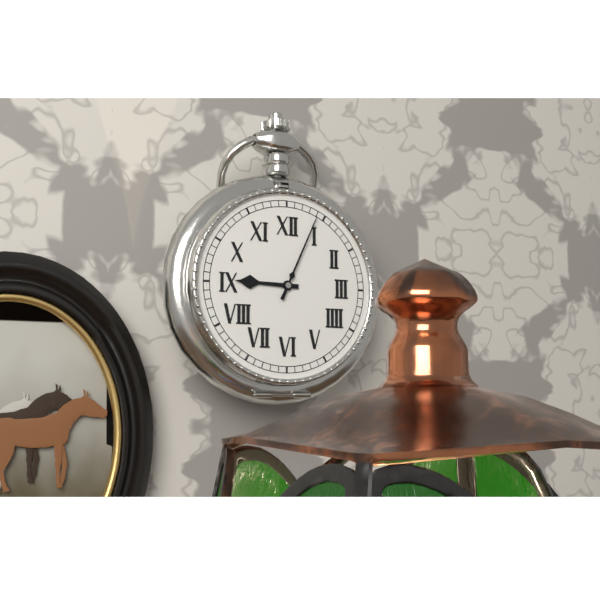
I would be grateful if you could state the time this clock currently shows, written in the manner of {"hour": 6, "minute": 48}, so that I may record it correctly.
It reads {"hour": 9, "minute": 4}
